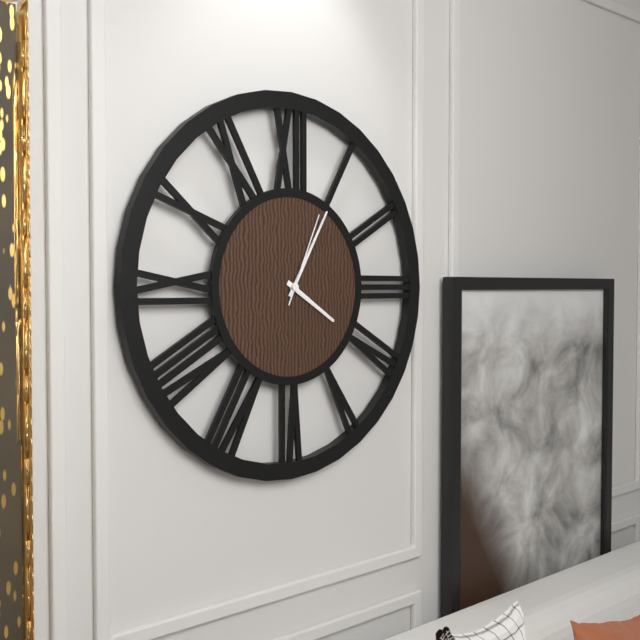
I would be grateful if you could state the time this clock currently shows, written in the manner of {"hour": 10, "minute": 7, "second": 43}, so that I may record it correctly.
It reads {"hour": 4, "minute": 5, "second": 4}
